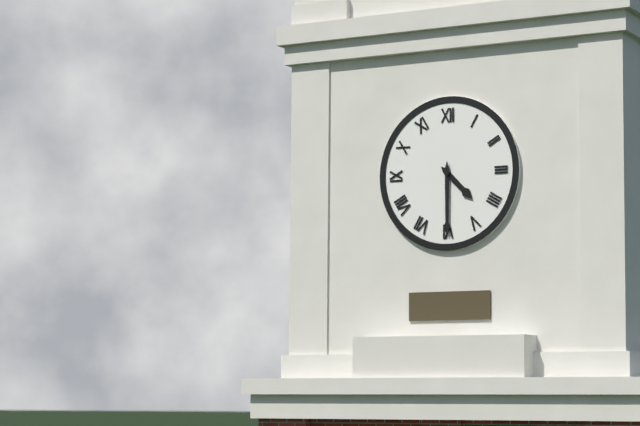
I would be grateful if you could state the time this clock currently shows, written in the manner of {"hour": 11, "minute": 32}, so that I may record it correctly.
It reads {"hour": 4, "minute": 30}
